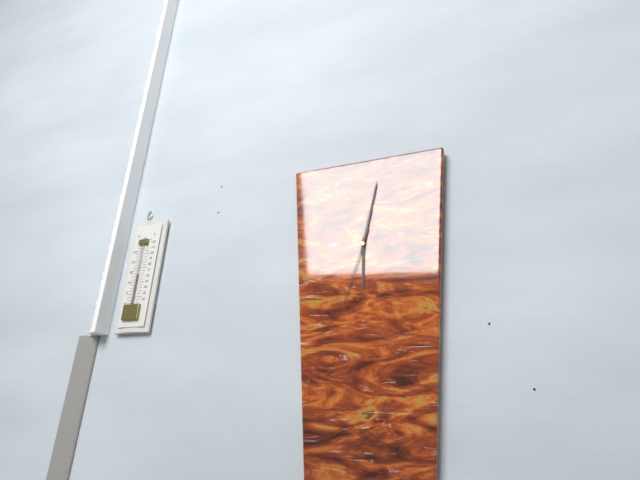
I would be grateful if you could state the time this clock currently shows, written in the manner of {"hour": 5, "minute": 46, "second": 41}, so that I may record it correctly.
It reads {"hour": 6, "minute": 2, "second": 33}
